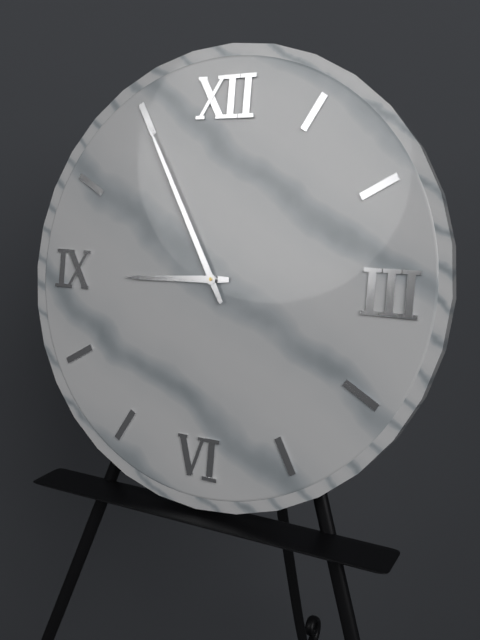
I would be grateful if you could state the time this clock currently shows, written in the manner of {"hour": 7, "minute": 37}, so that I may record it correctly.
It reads {"hour": 8, "minute": 55}
